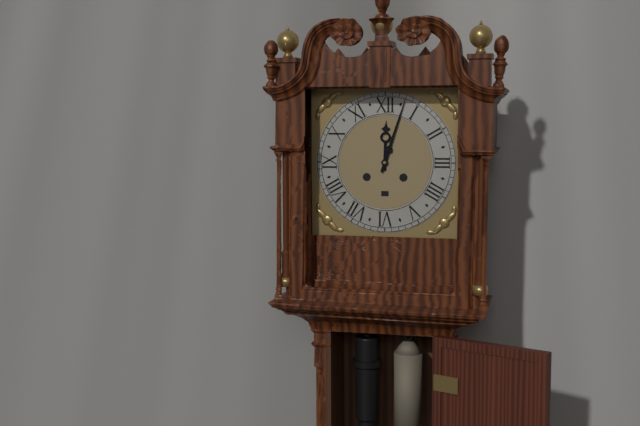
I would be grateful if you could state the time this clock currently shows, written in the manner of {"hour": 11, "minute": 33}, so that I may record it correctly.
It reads {"hour": 12, "minute": 3}
